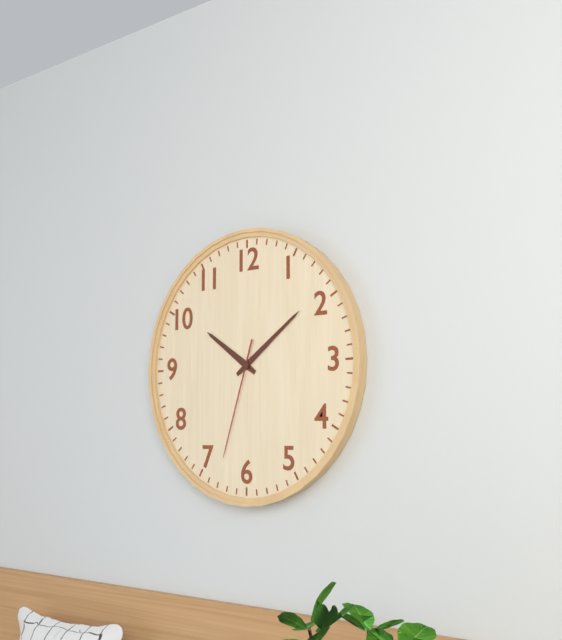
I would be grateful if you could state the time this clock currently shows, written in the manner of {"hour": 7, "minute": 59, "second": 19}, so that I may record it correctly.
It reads {"hour": 10, "minute": 9, "second": 33}
